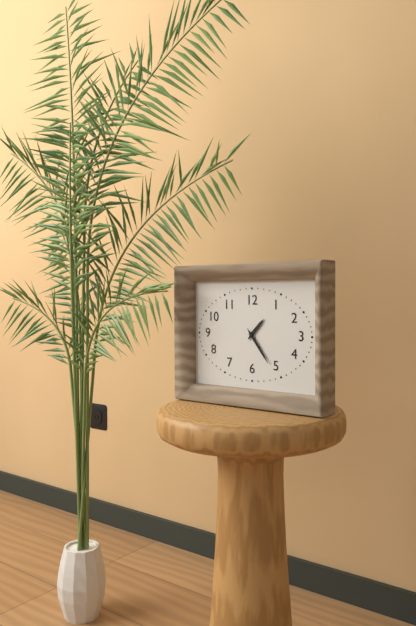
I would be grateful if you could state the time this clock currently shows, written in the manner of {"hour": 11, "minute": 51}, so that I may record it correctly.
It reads {"hour": 1, "minute": 24}
